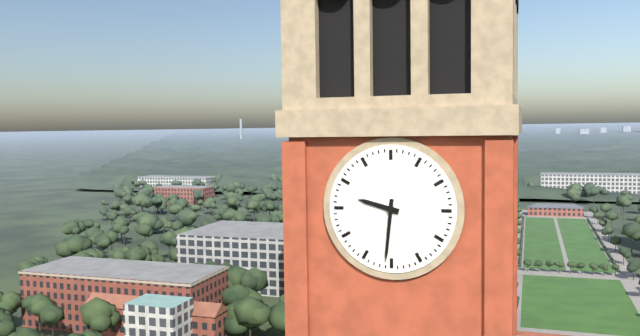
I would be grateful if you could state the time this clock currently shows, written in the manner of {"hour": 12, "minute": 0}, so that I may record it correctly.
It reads {"hour": 9, "minute": 31}
